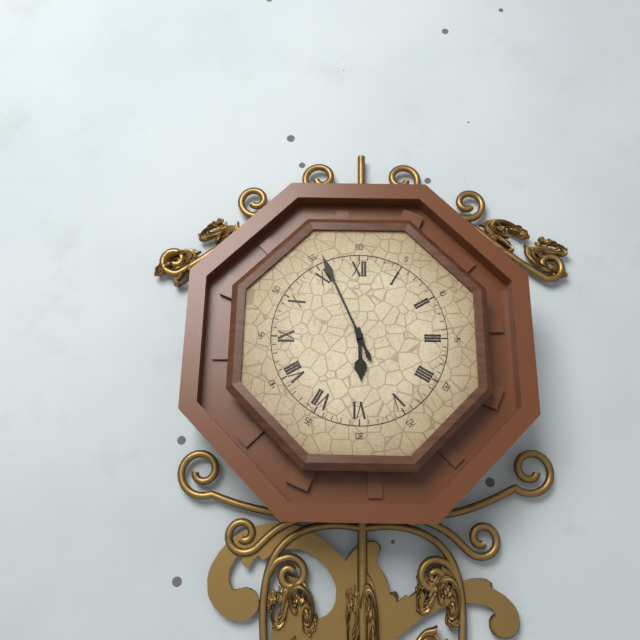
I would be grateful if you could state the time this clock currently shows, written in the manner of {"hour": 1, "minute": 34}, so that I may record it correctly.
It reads {"hour": 5, "minute": 56}
